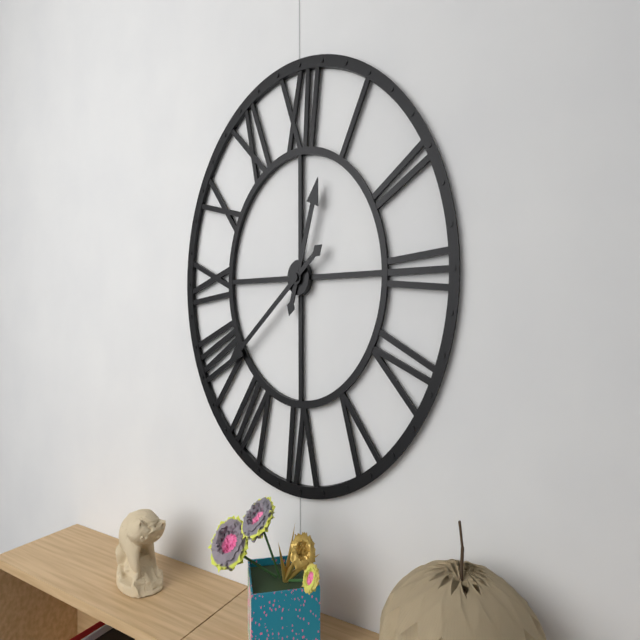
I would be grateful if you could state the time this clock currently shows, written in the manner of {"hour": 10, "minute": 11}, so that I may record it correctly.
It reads {"hour": 12, "minute": 39}
